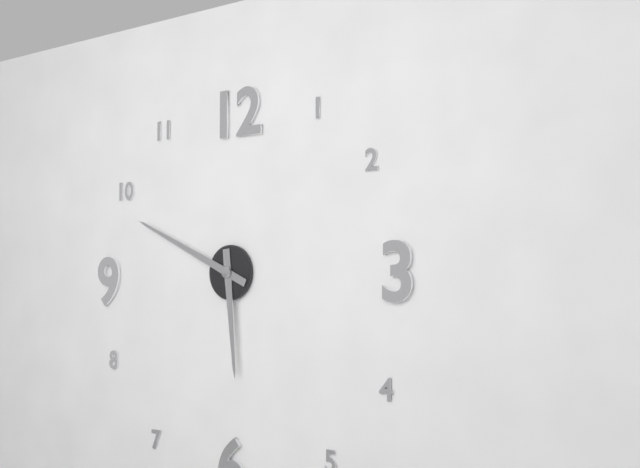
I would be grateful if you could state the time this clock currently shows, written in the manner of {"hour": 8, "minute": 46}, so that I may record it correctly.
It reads {"hour": 5, "minute": 49}
